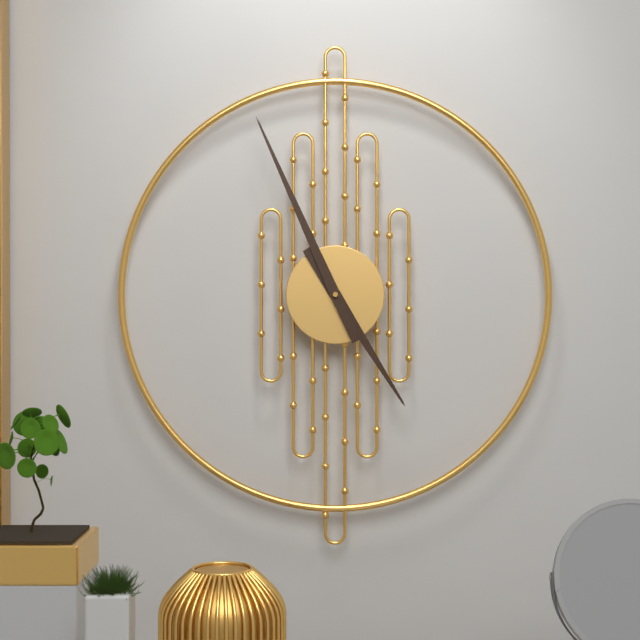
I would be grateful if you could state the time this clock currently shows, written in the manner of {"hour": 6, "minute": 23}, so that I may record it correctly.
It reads {"hour": 4, "minute": 56}
